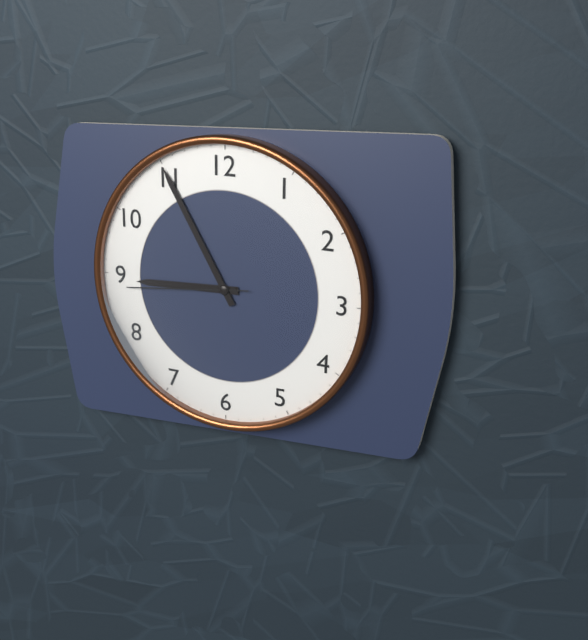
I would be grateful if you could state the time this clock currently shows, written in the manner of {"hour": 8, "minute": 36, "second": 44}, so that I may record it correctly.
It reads {"hour": 8, "minute": 55, "second": 44}
